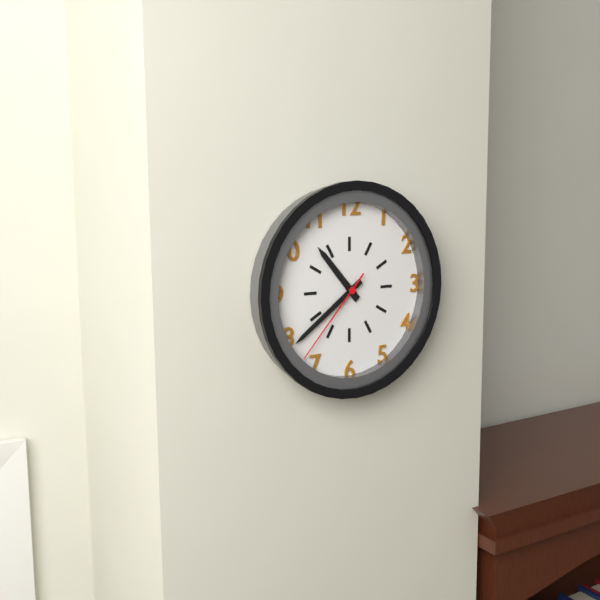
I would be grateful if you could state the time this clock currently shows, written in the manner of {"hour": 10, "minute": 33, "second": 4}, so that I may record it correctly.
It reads {"hour": 10, "minute": 39, "second": 37}
